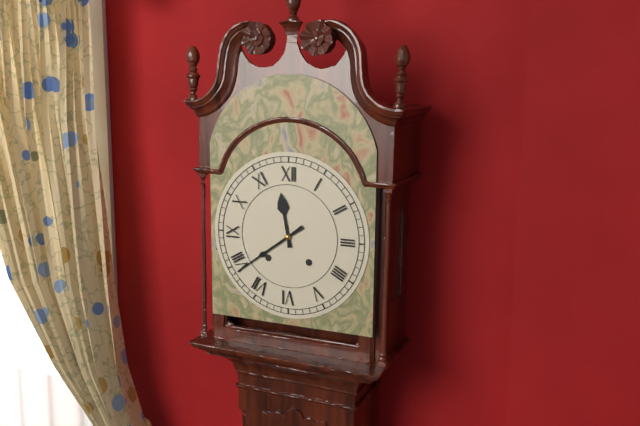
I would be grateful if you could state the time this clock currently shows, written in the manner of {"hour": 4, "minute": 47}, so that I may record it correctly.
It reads {"hour": 11, "minute": 39}
